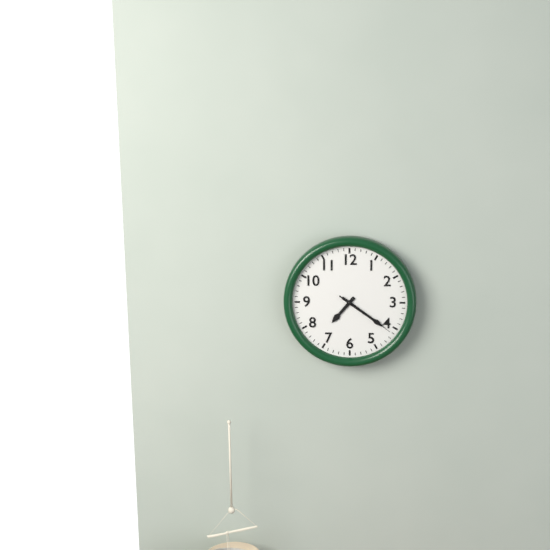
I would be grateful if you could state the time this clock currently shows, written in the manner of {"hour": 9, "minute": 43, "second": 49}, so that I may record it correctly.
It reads {"hour": 7, "minute": 21, "second": 21}
